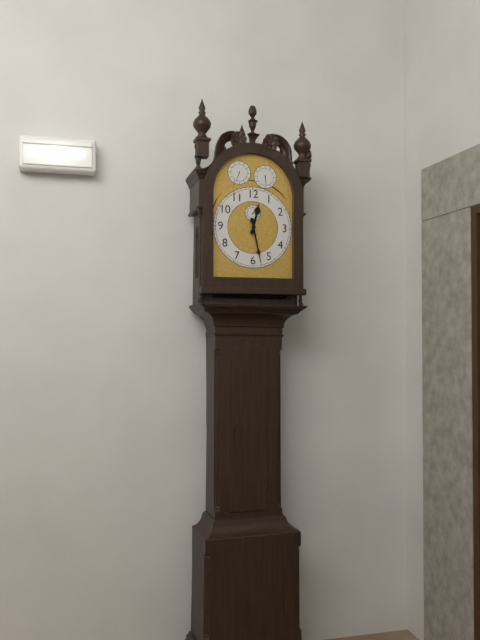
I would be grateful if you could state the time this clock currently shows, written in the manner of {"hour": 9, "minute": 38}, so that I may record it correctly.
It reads {"hour": 12, "minute": 28}
